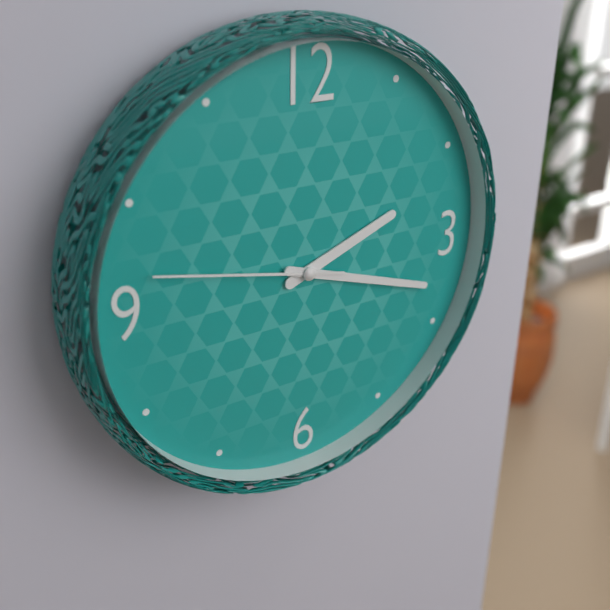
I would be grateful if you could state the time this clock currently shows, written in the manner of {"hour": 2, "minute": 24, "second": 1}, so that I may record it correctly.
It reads {"hour": 2, "minute": 18, "second": 47}
